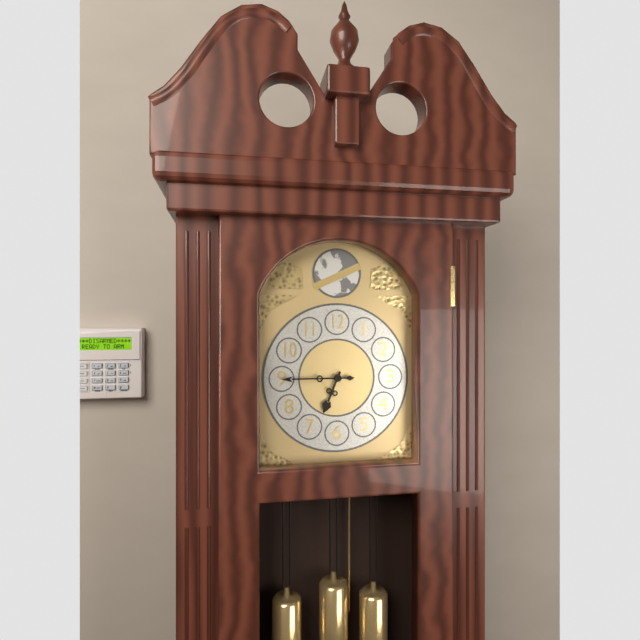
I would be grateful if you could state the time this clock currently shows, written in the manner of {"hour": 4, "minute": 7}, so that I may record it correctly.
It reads {"hour": 6, "minute": 45}
